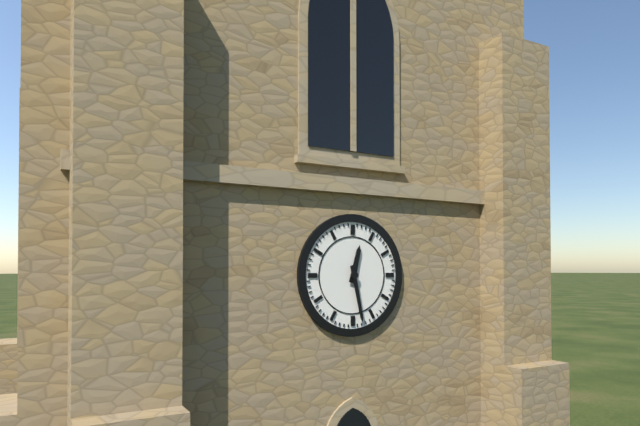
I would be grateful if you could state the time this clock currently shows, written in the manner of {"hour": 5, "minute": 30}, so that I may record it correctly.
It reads {"hour": 12, "minute": 28}
